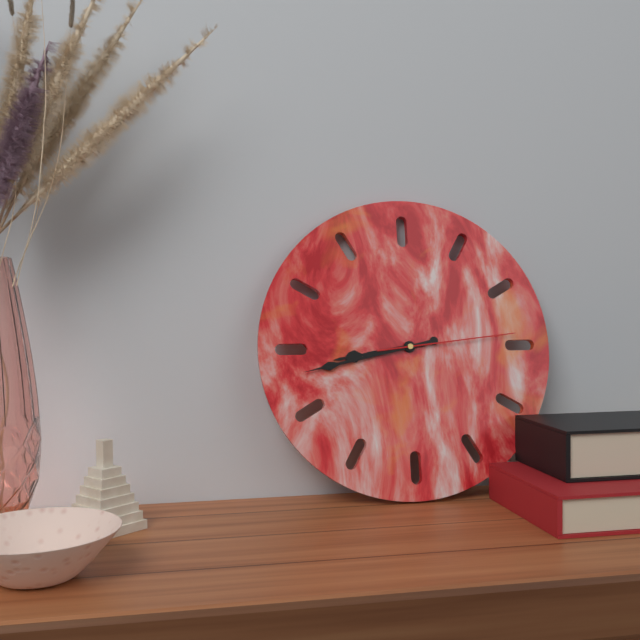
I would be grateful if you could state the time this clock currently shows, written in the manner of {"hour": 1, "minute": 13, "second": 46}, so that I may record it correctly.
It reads {"hour": 8, "minute": 43, "second": 14}
